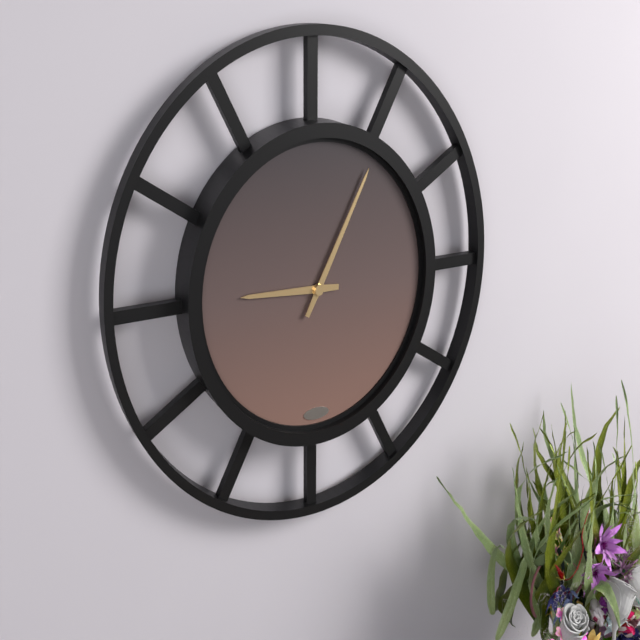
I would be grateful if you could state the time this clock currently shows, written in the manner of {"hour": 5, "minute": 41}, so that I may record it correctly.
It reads {"hour": 9, "minute": 5}
